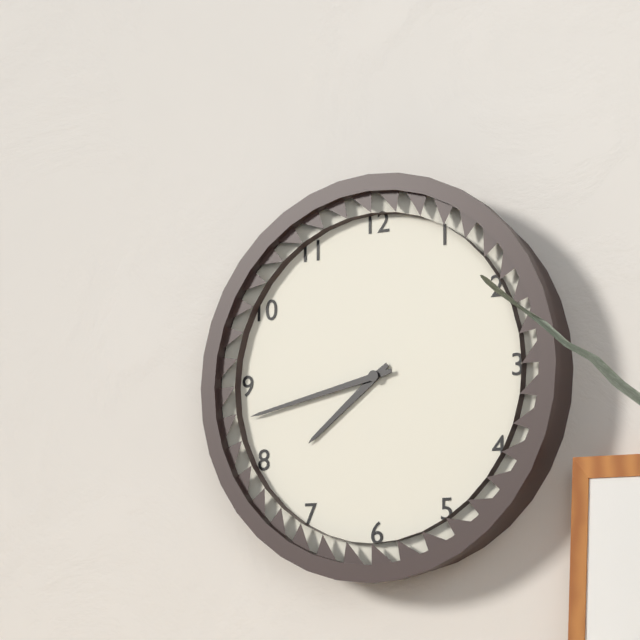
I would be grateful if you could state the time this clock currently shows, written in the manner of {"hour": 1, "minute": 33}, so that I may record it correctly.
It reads {"hour": 7, "minute": 43}
